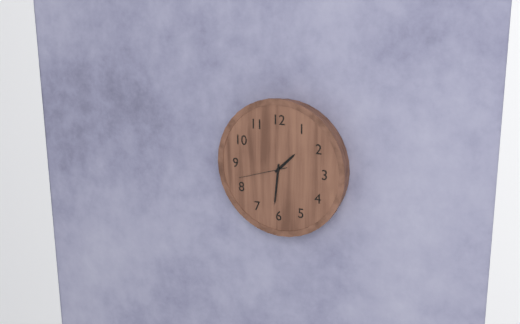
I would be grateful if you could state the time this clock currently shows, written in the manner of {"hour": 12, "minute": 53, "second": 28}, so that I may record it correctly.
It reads {"hour": 1, "minute": 31, "second": 42}
